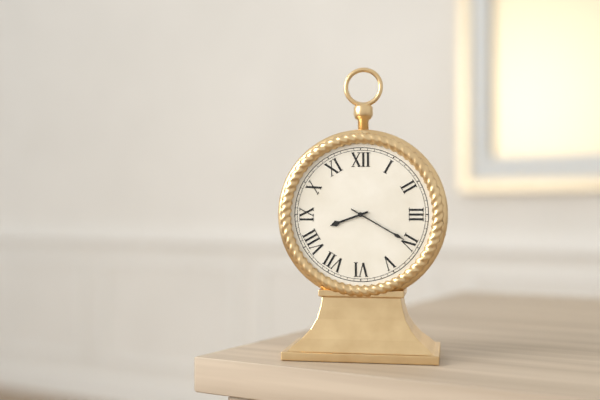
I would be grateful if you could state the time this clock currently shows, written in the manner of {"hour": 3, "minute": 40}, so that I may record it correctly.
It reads {"hour": 8, "minute": 20}
